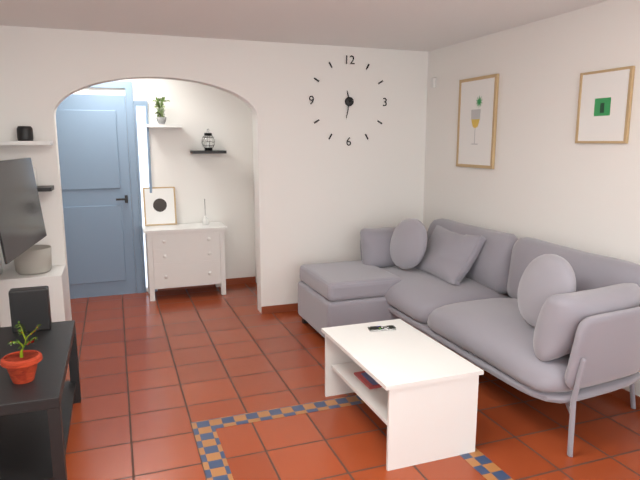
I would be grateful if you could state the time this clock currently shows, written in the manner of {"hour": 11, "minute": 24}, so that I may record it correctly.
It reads {"hour": 11, "minute": 32}
